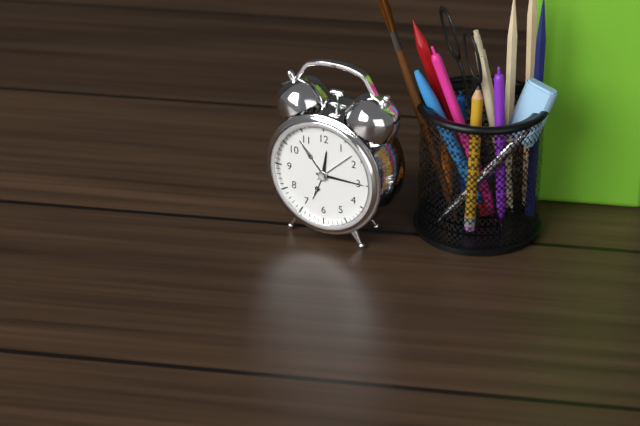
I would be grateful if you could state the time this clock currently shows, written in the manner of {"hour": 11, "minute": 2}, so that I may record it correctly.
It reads {"hour": 12, "minute": 15}
